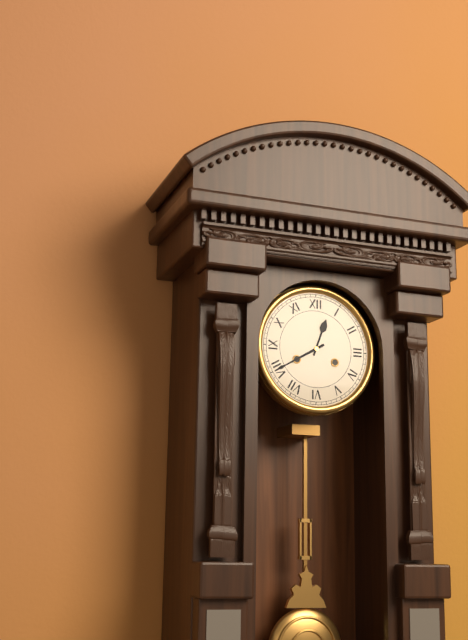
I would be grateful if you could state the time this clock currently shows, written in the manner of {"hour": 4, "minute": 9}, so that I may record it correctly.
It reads {"hour": 12, "minute": 40}
